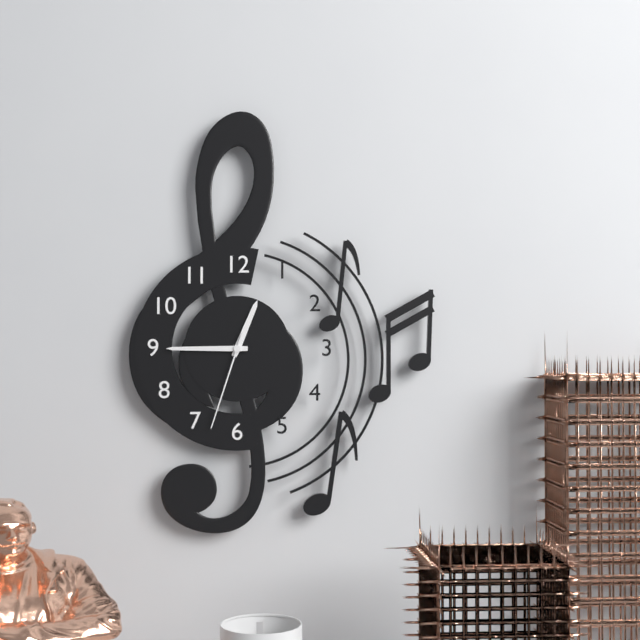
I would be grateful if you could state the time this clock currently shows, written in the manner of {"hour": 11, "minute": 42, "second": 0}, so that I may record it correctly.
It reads {"hour": 12, "minute": 45, "second": 33}
